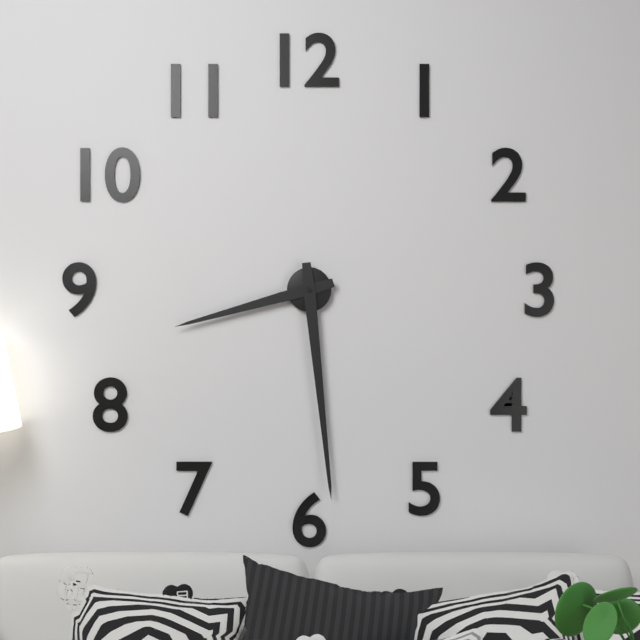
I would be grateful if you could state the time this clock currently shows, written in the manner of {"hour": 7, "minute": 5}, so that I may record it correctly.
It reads {"hour": 8, "minute": 29}
